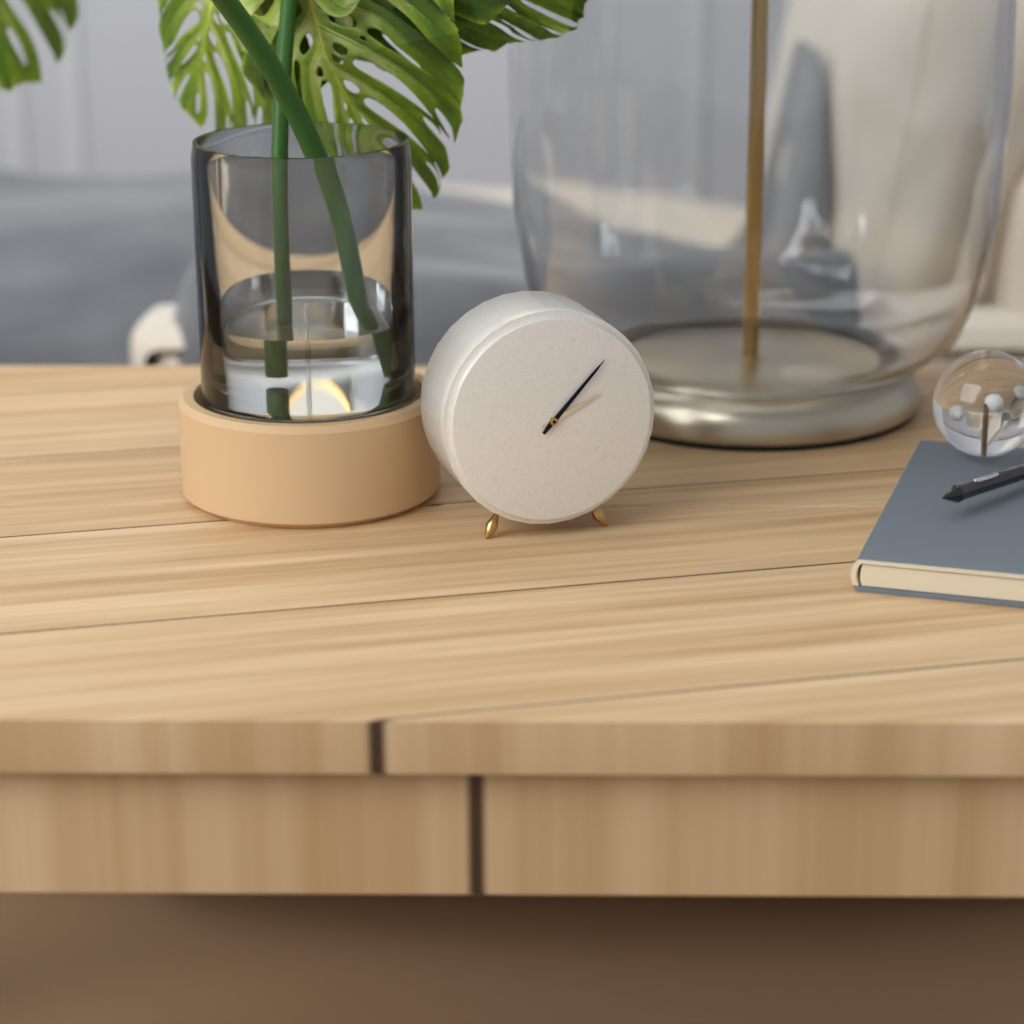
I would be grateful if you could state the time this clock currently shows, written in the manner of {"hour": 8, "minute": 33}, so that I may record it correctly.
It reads {"hour": 2, "minute": 7}
